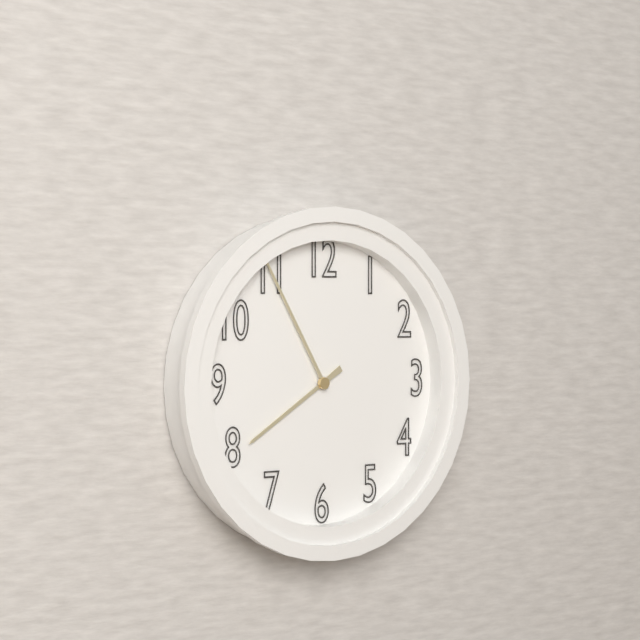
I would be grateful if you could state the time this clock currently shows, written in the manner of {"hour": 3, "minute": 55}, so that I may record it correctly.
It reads {"hour": 7, "minute": 55}
